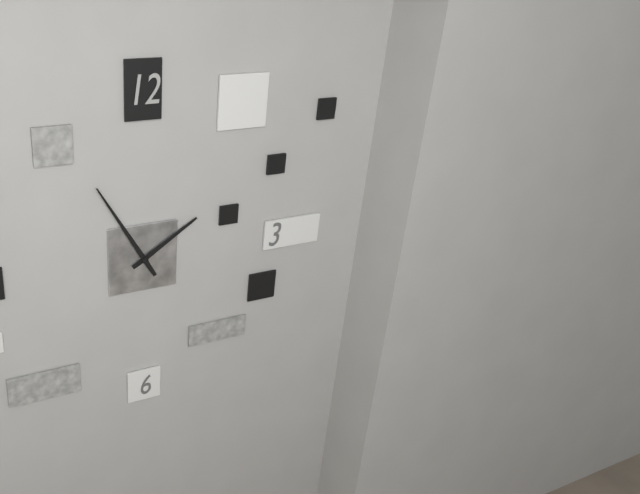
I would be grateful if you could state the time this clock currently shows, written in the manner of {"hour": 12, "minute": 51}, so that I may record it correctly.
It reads {"hour": 1, "minute": 55}
